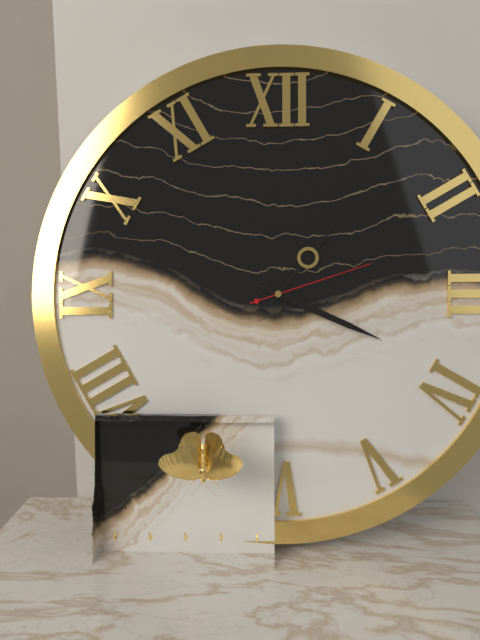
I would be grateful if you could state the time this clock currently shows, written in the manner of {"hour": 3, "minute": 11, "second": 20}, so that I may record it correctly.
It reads {"hour": 1, "minute": 19, "second": 12}
